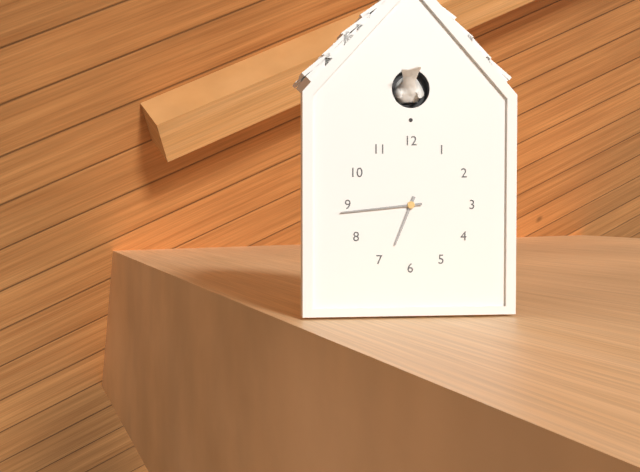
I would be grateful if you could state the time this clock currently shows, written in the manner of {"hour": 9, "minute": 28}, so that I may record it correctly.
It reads {"hour": 6, "minute": 44}
